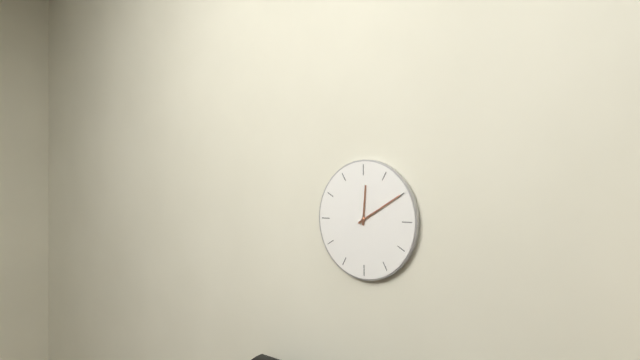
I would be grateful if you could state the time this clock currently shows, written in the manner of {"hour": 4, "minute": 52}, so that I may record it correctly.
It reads {"hour": 12, "minute": 10}
